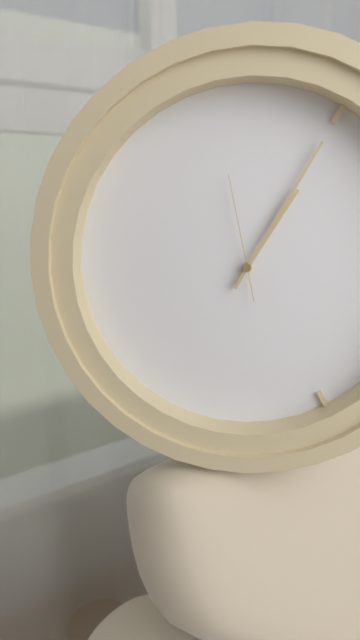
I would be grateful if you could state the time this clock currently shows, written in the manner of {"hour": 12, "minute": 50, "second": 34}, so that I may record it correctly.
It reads {"hour": 1, "minute": 5, "second": 58}
